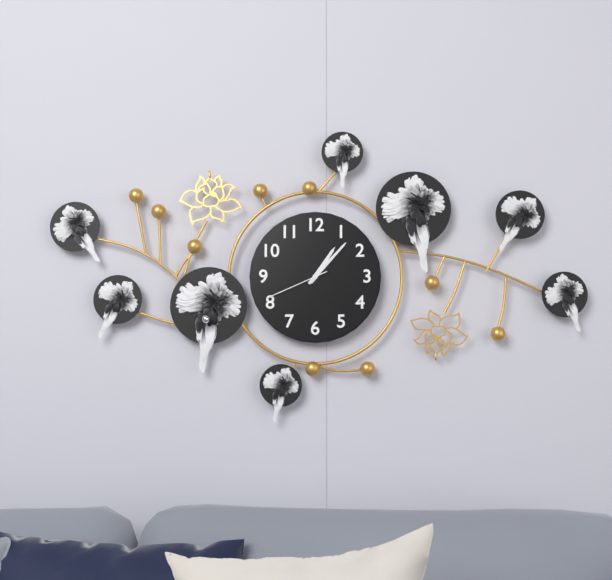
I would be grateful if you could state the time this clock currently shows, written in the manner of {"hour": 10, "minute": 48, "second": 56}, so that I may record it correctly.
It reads {"hour": 1, "minute": 7, "second": 41}
